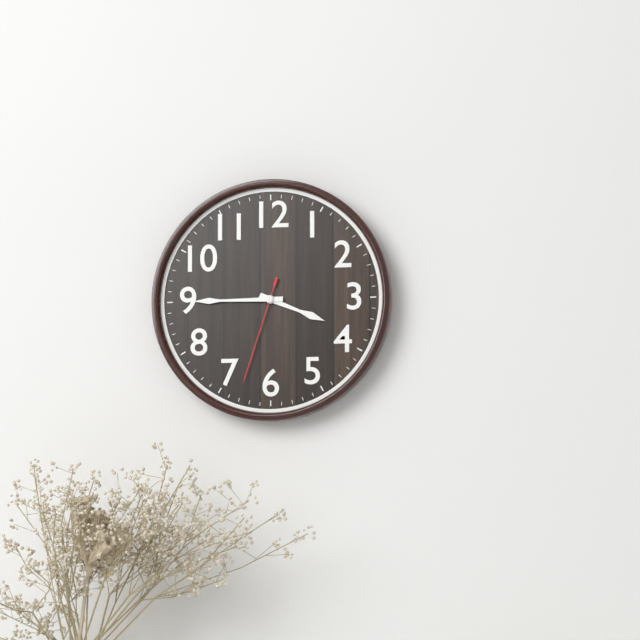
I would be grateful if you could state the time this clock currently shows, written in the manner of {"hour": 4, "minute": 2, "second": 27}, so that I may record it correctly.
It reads {"hour": 3, "minute": 45, "second": 33}
